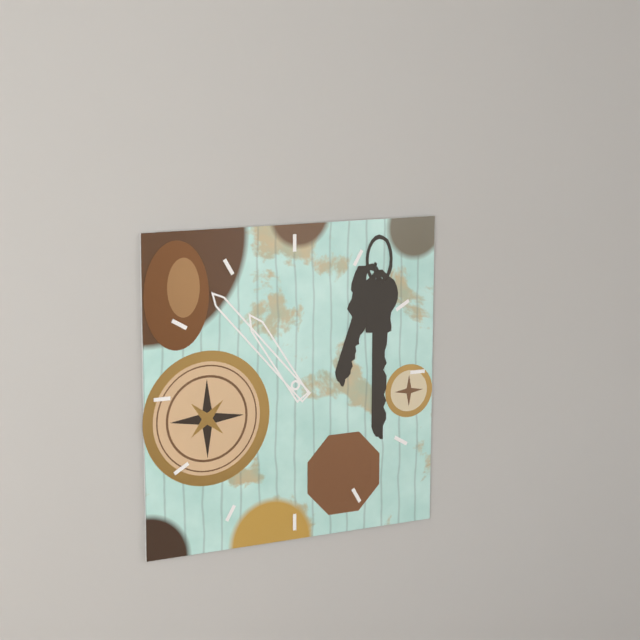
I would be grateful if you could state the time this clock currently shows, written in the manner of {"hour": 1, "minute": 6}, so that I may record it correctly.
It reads {"hour": 10, "minute": 53}
